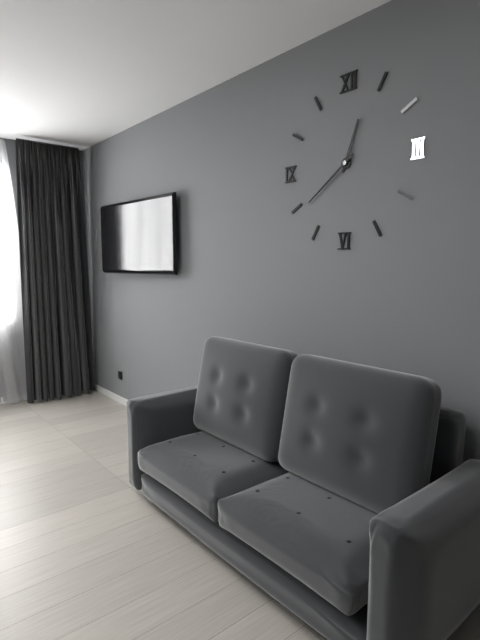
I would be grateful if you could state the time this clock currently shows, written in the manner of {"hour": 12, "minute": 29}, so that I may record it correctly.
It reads {"hour": 12, "minute": 39}
